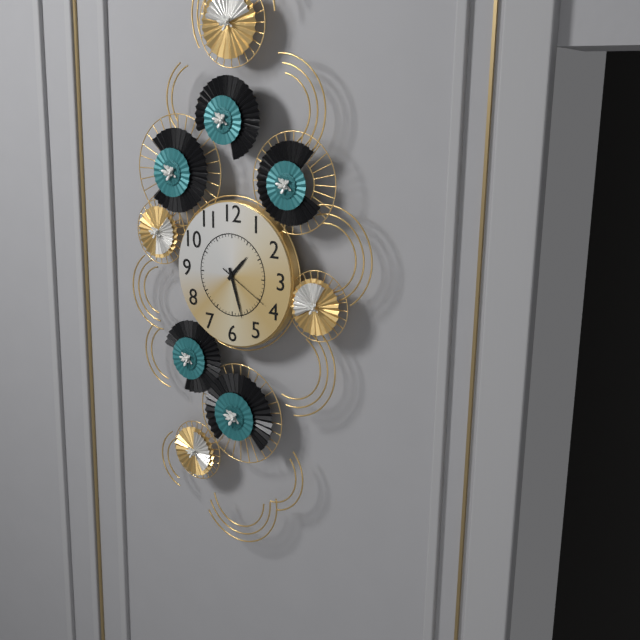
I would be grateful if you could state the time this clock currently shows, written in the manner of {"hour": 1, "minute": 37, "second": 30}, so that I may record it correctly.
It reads {"hour": 1, "minute": 27, "second": 20}
